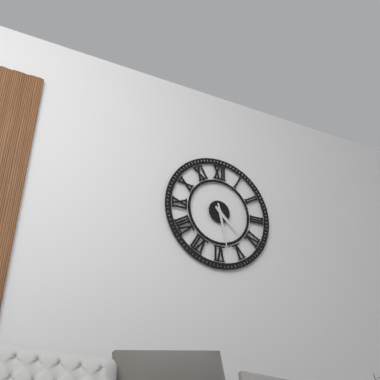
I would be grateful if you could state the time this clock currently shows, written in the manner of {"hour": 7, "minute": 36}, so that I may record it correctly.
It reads {"hour": 4, "minute": 28}
